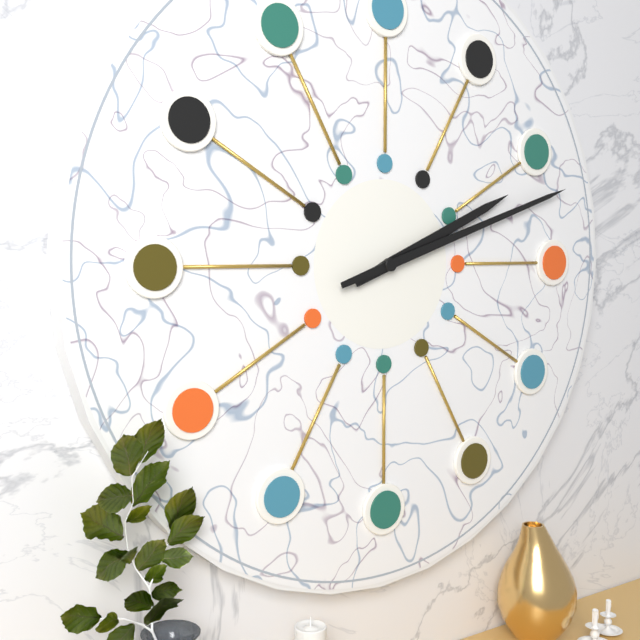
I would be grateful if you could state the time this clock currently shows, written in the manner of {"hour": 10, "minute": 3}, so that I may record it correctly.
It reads {"hour": 2, "minute": 12}
